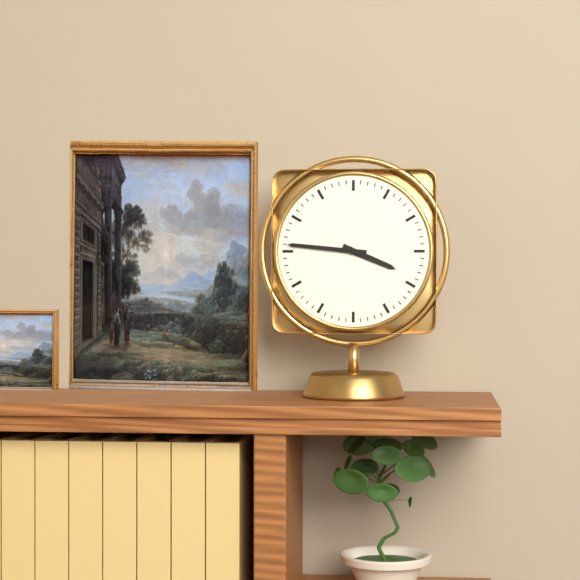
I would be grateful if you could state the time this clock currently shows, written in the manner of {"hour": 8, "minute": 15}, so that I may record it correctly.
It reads {"hour": 3, "minute": 46}
